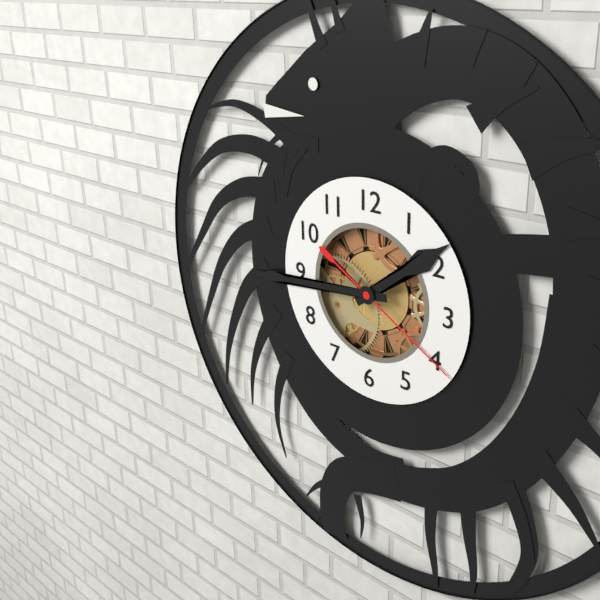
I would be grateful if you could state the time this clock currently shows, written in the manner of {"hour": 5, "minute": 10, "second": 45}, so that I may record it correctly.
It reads {"hour": 1, "minute": 44, "second": 20}
